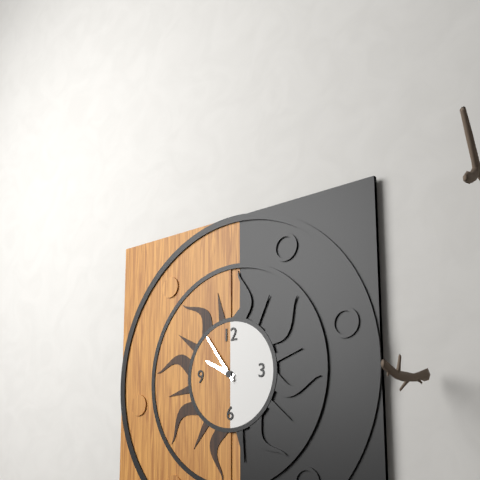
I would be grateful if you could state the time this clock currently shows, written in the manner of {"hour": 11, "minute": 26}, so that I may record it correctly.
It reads {"hour": 9, "minute": 54}
